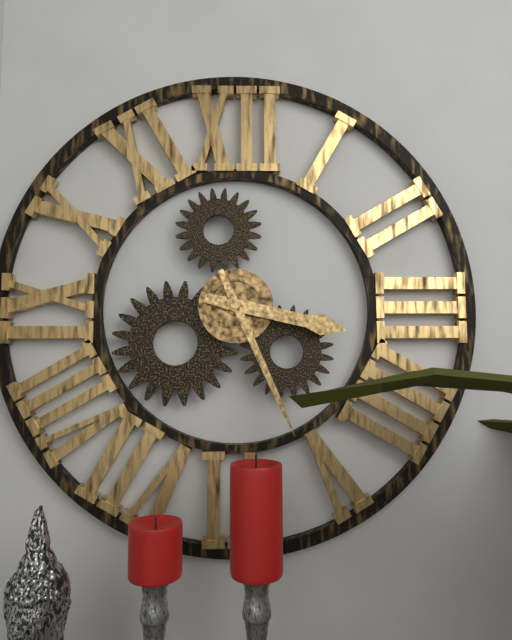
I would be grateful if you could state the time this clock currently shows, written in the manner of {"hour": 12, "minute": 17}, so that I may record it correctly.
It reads {"hour": 3, "minute": 26}
